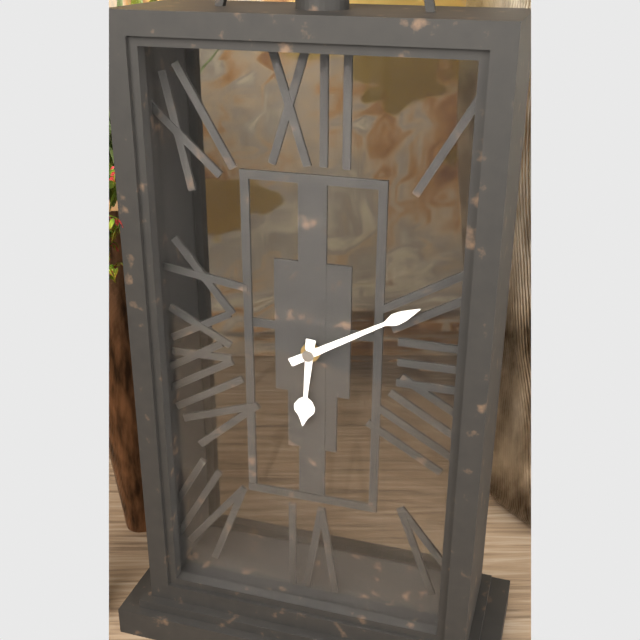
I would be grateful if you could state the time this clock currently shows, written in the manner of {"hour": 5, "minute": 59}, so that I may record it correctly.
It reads {"hour": 6, "minute": 10}
